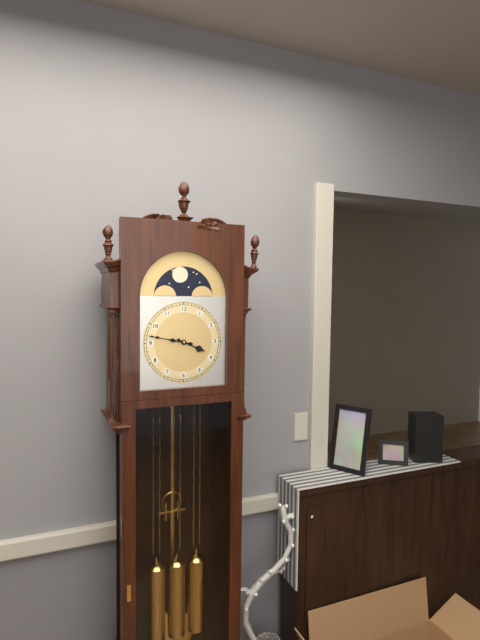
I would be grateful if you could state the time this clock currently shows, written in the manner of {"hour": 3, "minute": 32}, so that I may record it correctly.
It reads {"hour": 3, "minute": 47}
